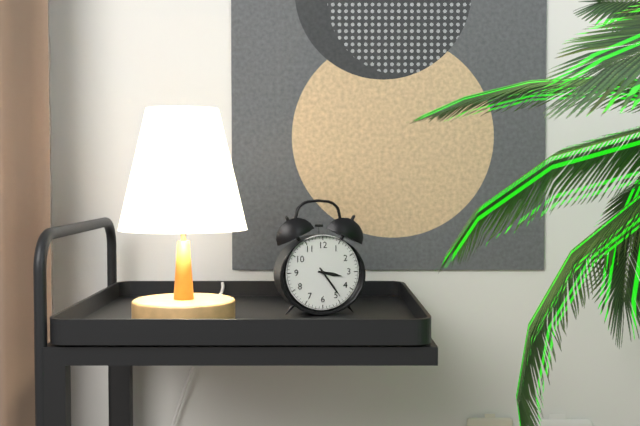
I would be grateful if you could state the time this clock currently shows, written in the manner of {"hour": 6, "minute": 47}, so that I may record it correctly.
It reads {"hour": 3, "minute": 24}
